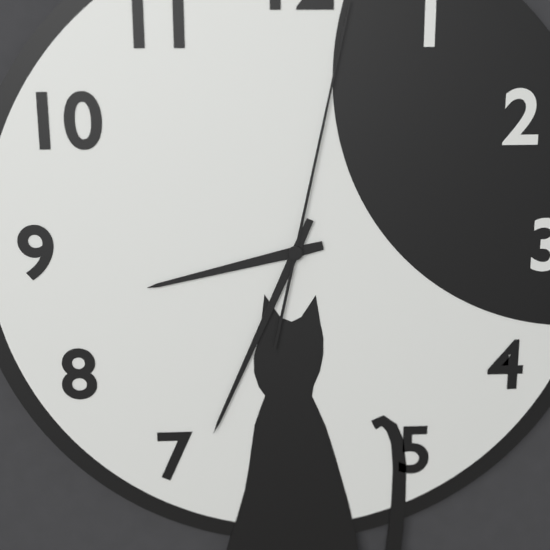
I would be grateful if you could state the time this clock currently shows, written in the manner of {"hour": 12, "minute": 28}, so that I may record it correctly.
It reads {"hour": 8, "minute": 34}
